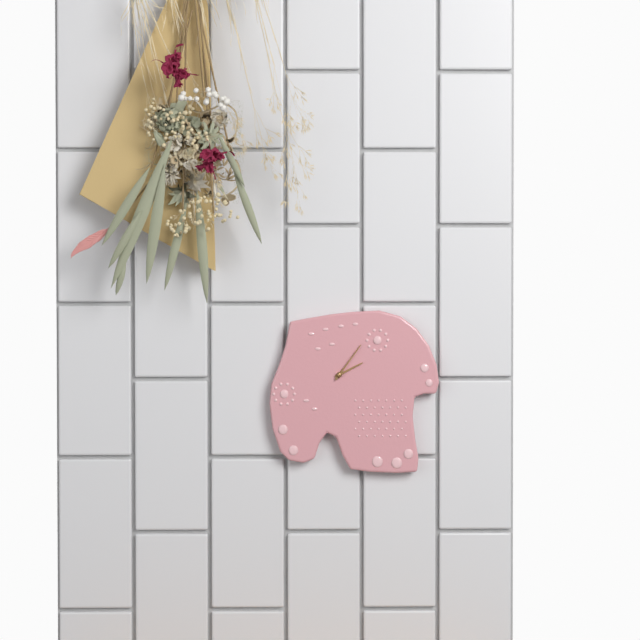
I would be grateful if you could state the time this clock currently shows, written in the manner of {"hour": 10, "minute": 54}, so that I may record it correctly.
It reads {"hour": 2, "minute": 6}
